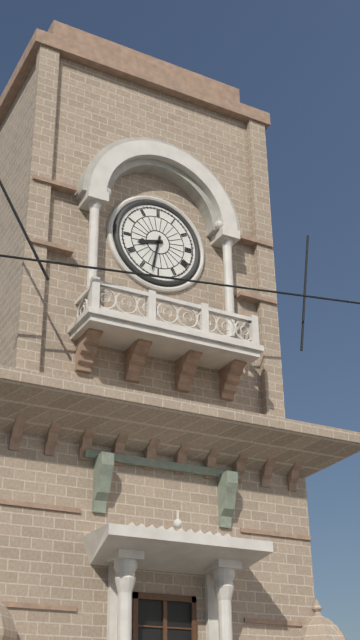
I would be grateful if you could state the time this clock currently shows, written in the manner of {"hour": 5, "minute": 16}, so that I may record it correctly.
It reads {"hour": 8, "minute": 32}
